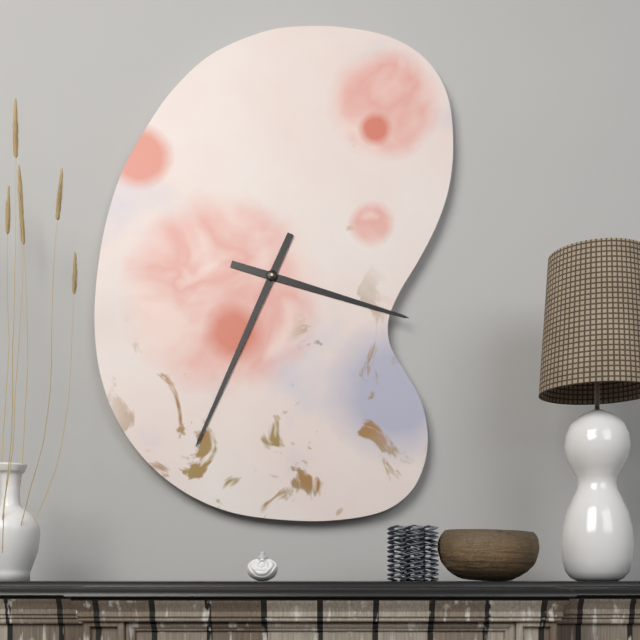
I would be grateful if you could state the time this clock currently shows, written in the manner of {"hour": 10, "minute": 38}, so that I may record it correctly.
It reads {"hour": 3, "minute": 34}
